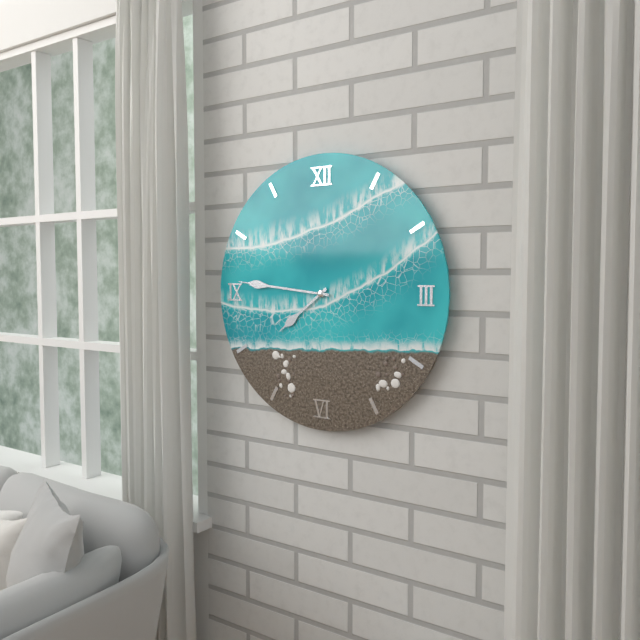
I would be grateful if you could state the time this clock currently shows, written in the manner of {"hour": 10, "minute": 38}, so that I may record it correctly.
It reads {"hour": 7, "minute": 46}
